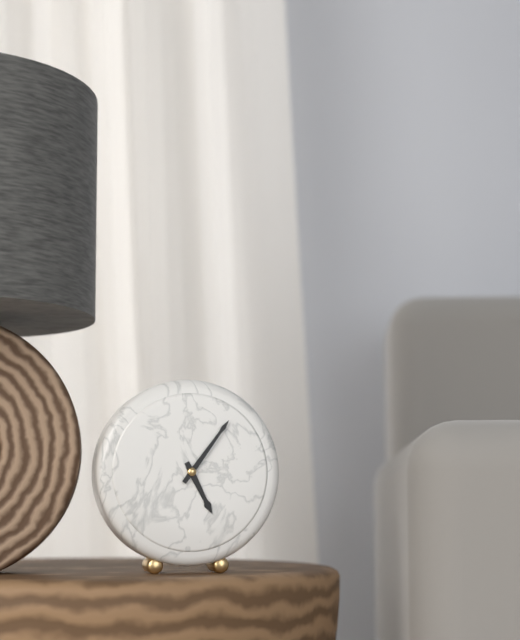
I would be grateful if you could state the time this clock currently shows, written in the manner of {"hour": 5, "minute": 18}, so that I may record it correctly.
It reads {"hour": 5, "minute": 6}
